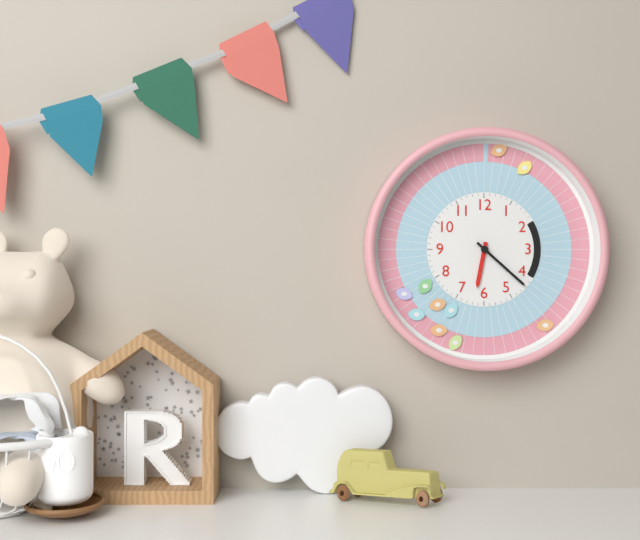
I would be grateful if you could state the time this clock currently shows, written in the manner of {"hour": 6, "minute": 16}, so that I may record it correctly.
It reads {"hour": 6, "minute": 22}
